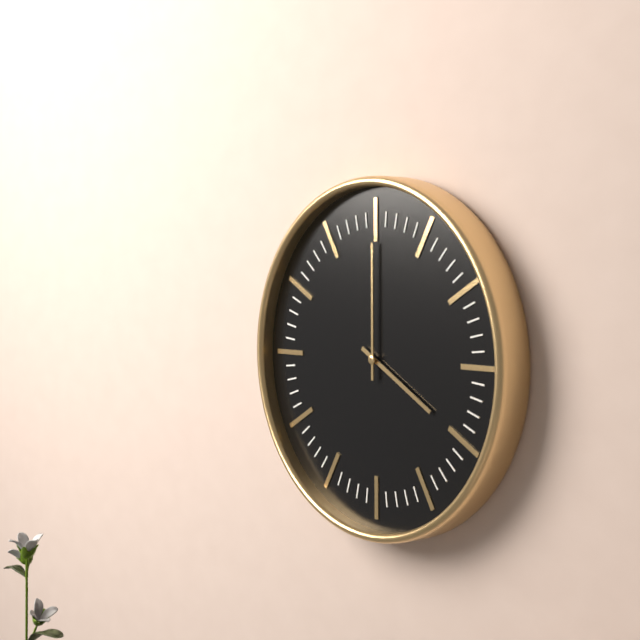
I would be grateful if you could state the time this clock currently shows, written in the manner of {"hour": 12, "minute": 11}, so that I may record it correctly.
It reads {"hour": 4, "minute": 0}
